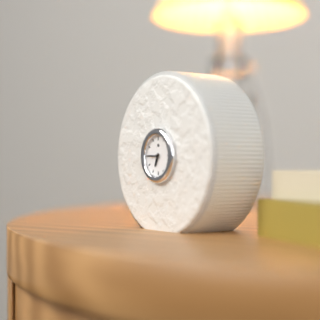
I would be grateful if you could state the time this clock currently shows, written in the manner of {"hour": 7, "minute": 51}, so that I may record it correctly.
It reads {"hour": 6, "minute": 45}
